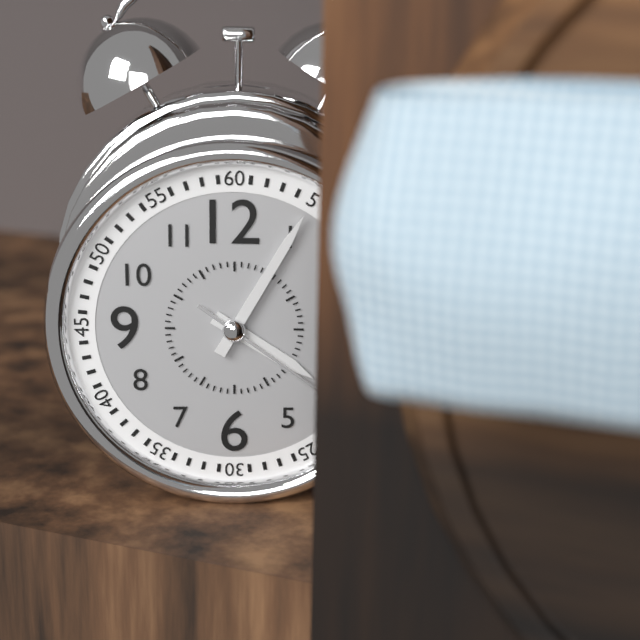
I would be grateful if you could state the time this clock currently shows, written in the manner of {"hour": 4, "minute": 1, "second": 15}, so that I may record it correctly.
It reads {"hour": 4, "minute": 5, "second": 21}
